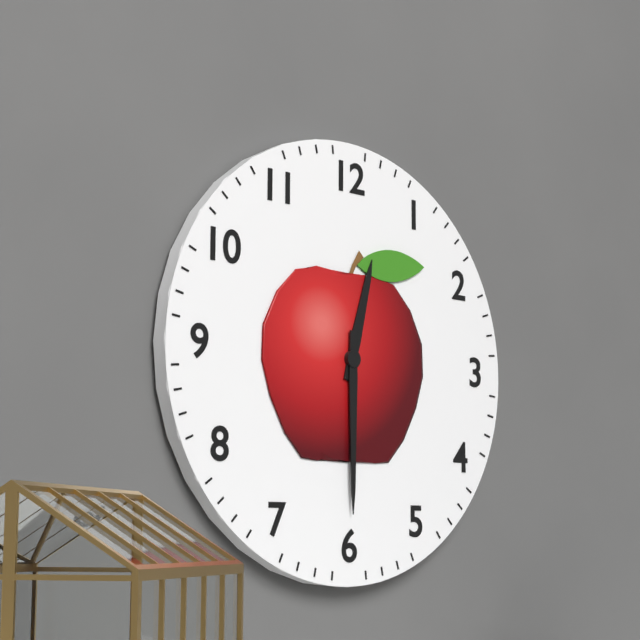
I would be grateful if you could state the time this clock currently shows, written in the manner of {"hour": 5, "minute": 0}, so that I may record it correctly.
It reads {"hour": 12, "minute": 30}
